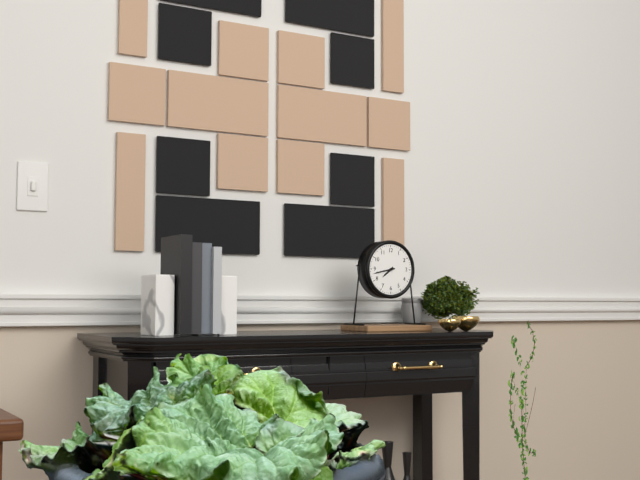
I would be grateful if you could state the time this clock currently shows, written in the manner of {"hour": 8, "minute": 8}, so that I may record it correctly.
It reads {"hour": 7, "minute": 43}
